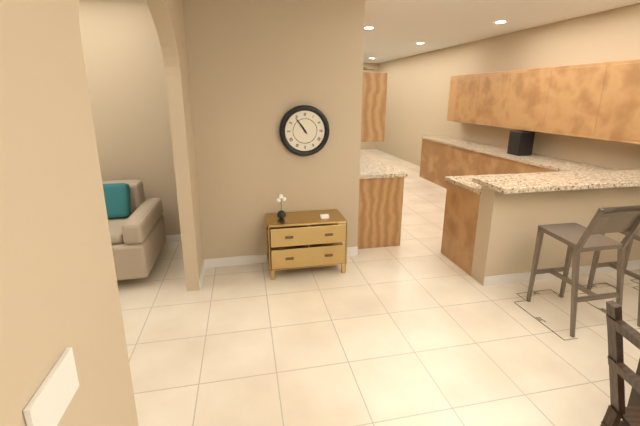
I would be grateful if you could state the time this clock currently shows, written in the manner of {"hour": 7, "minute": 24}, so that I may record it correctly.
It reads {"hour": 10, "minute": 54}
